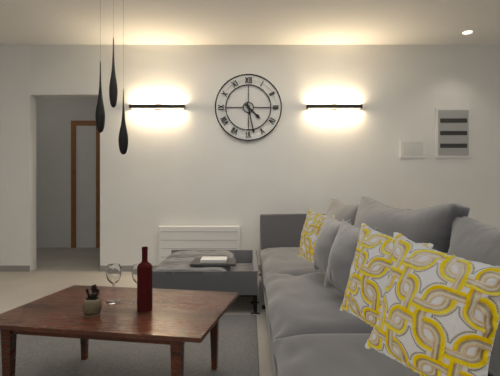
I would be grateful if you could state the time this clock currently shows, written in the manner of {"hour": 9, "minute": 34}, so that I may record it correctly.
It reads {"hour": 4, "minute": 28}
